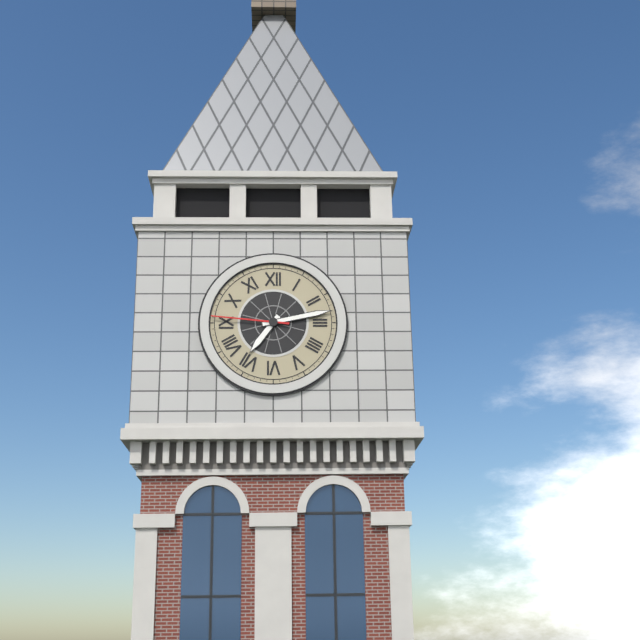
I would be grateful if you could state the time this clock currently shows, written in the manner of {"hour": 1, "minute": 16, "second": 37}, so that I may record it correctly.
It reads {"hour": 7, "minute": 13, "second": 46}
